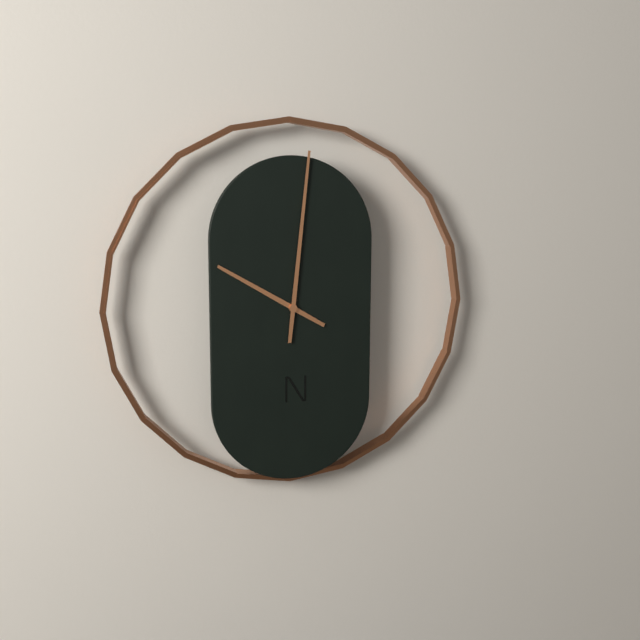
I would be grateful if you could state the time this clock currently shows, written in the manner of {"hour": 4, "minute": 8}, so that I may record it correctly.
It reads {"hour": 10, "minute": 1}
